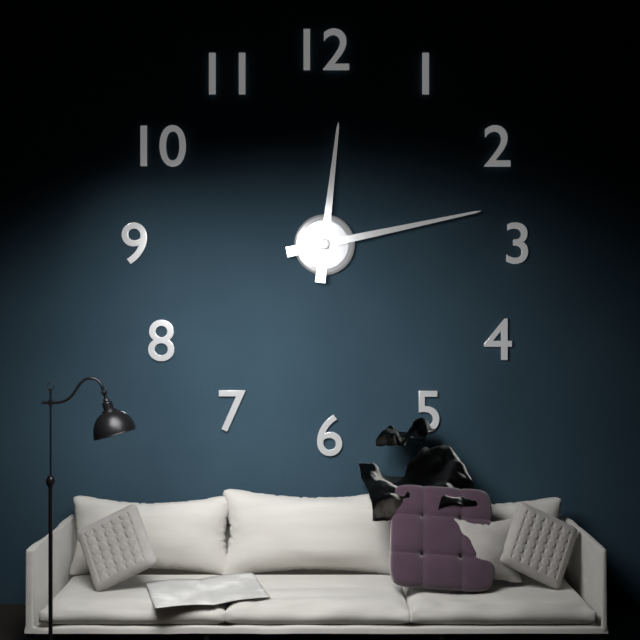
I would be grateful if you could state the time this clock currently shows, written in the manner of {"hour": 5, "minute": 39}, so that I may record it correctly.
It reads {"hour": 12, "minute": 13}
